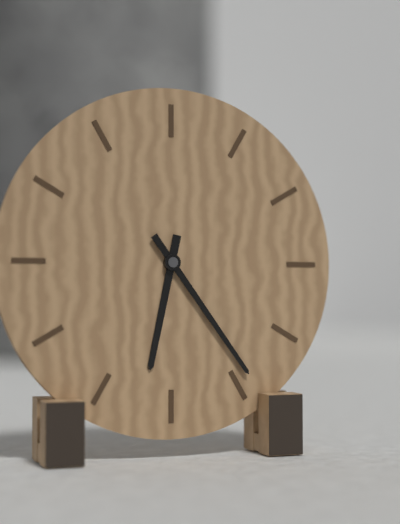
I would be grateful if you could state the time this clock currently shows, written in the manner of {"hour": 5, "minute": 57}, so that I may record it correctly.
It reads {"hour": 6, "minute": 24}
